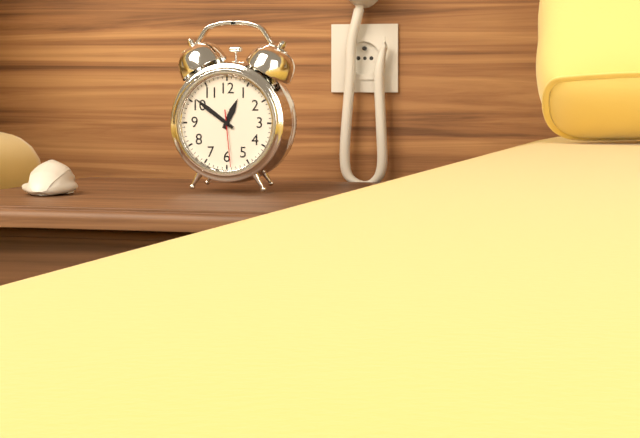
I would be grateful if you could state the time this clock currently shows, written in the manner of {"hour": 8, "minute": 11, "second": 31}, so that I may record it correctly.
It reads {"hour": 12, "minute": 51, "second": 29}
